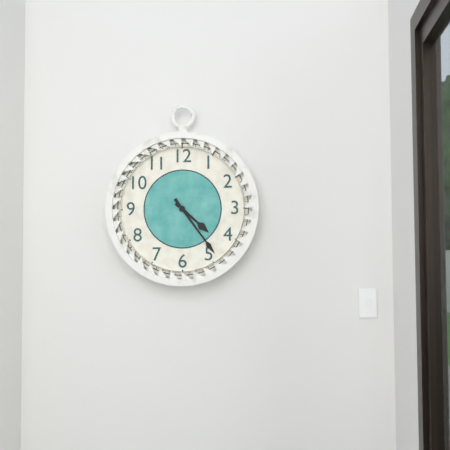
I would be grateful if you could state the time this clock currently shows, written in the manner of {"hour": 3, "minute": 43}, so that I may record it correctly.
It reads {"hour": 4, "minute": 24}
